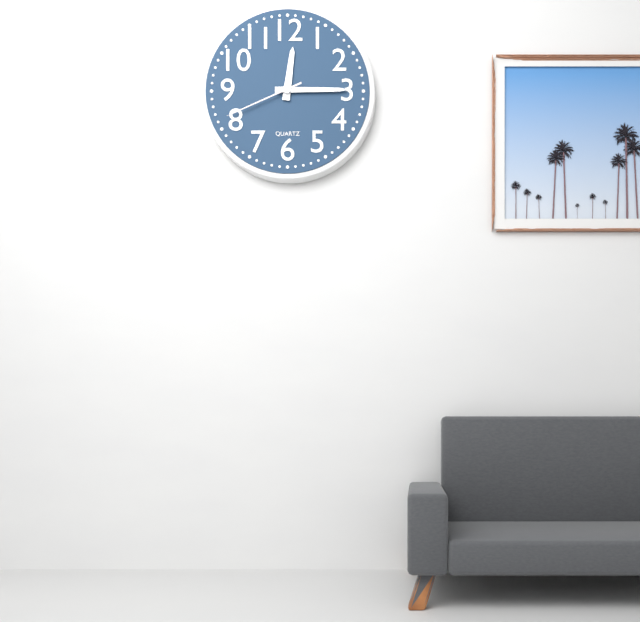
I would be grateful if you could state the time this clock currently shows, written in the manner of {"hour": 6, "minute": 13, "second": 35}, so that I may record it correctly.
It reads {"hour": 12, "minute": 15, "second": 41}
